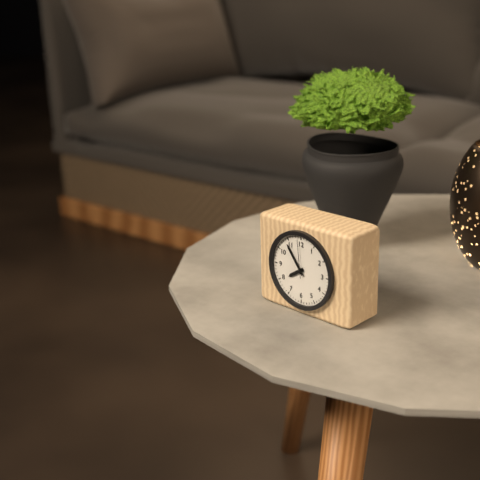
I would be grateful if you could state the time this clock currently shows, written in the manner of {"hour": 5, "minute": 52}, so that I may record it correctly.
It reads {"hour": 7, "minute": 54}
